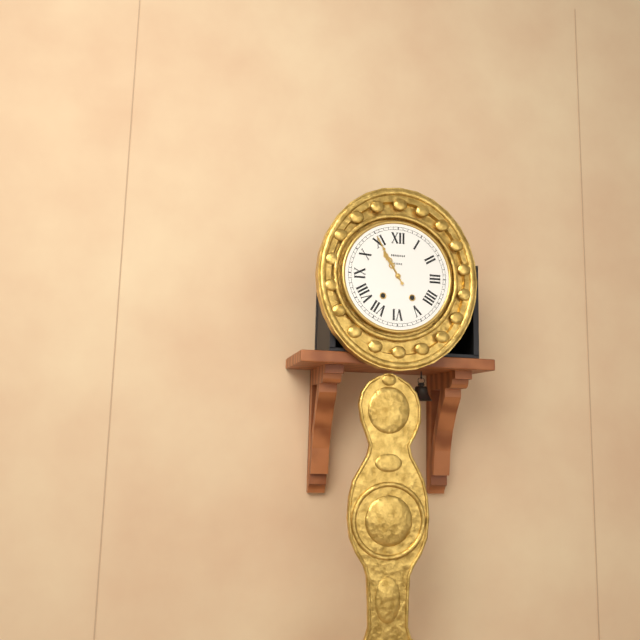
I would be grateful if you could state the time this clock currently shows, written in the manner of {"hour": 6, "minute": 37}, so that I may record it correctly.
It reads {"hour": 10, "minute": 55}
